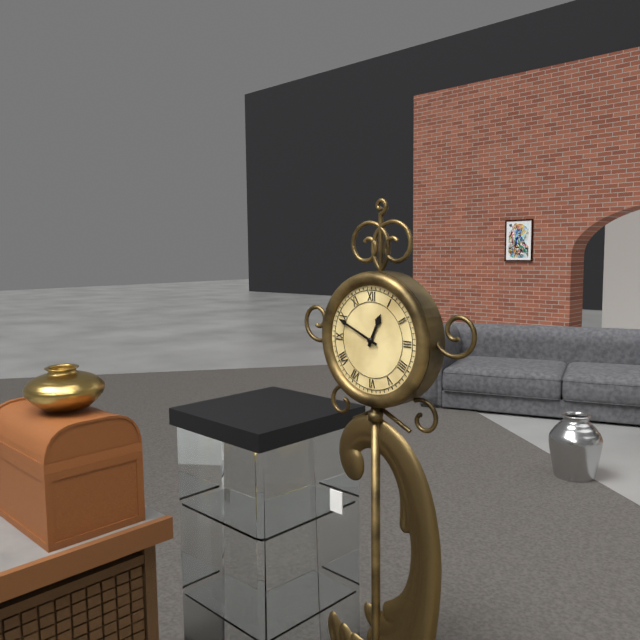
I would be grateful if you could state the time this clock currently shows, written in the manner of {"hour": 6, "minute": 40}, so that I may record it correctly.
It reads {"hour": 12, "minute": 49}
